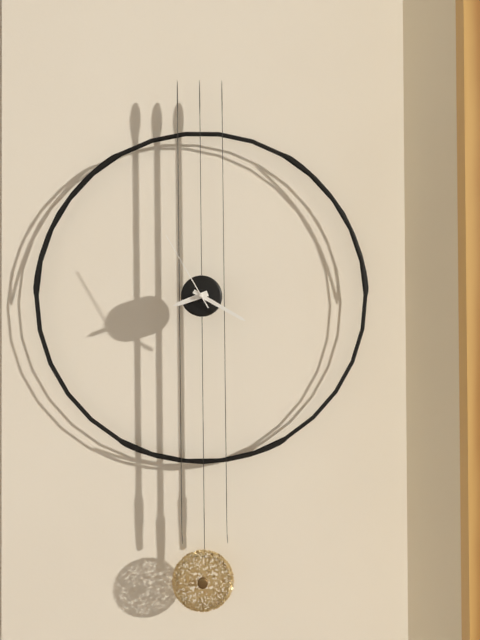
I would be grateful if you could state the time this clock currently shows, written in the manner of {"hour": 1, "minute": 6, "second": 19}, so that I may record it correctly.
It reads {"hour": 8, "minute": 20, "second": 55}
